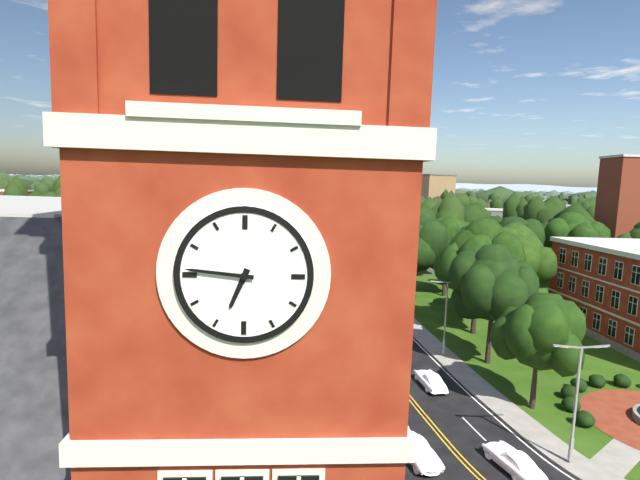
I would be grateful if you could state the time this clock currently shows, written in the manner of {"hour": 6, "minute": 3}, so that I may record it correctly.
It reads {"hour": 6, "minute": 46}
